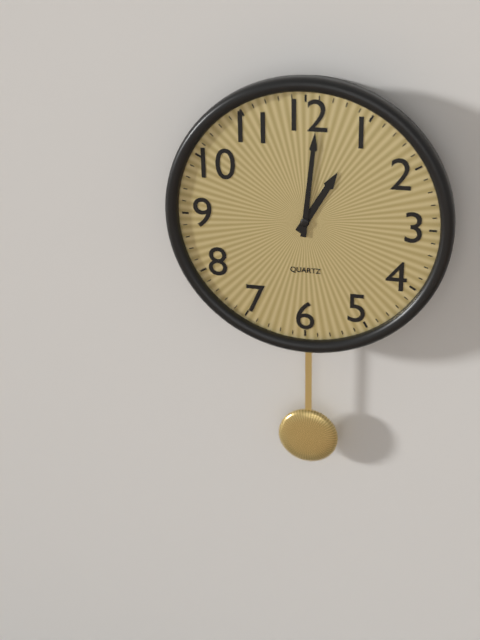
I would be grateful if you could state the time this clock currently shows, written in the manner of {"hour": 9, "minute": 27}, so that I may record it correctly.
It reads {"hour": 1, "minute": 1}
